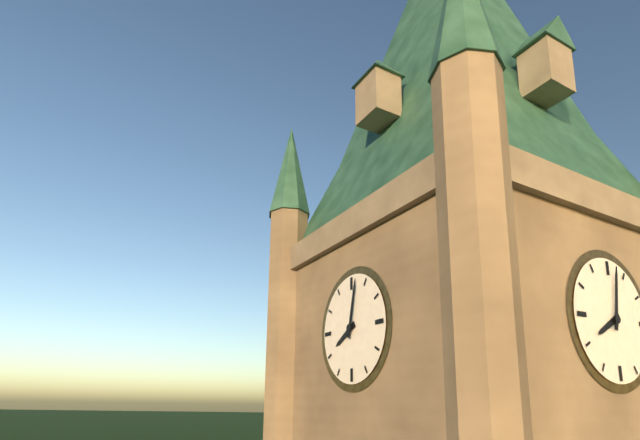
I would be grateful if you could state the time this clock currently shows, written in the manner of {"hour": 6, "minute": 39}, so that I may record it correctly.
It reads {"hour": 8, "minute": 2}
